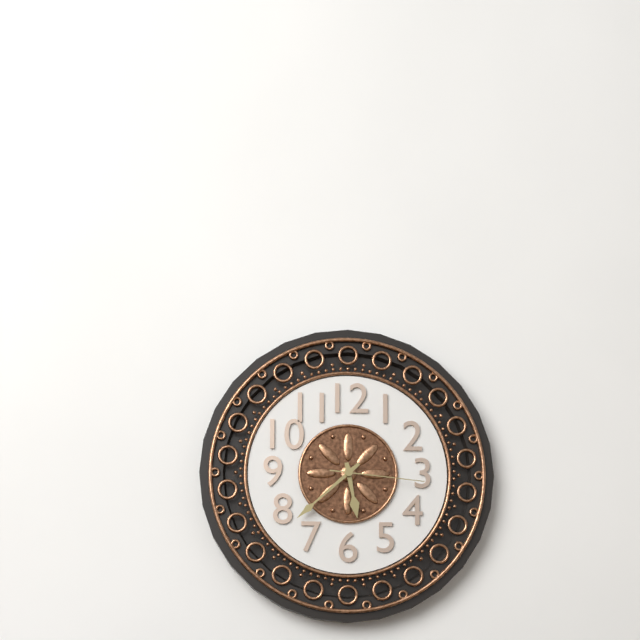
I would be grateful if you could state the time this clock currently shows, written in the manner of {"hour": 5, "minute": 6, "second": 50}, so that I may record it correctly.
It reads {"hour": 5, "minute": 38, "second": 16}
